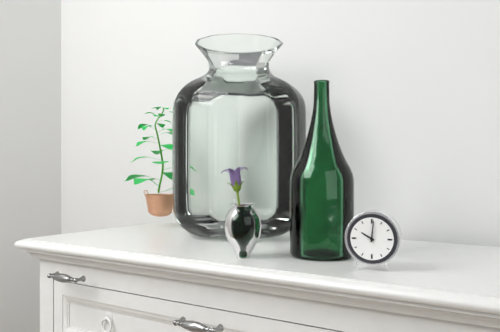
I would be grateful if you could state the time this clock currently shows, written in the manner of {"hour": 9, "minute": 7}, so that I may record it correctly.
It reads {"hour": 10, "minute": 1}
